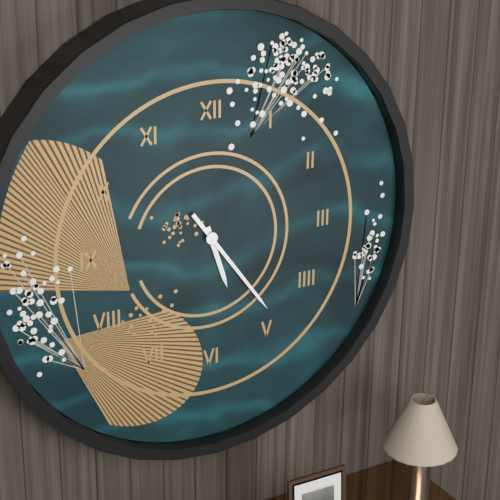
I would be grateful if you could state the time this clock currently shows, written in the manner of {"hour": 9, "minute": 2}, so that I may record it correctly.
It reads {"hour": 5, "minute": 24}
